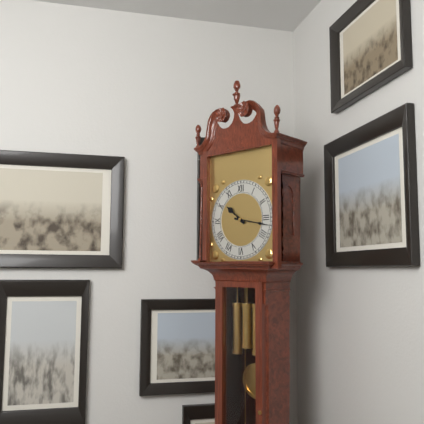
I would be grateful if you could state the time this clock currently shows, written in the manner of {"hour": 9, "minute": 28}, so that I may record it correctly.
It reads {"hour": 10, "minute": 17}
